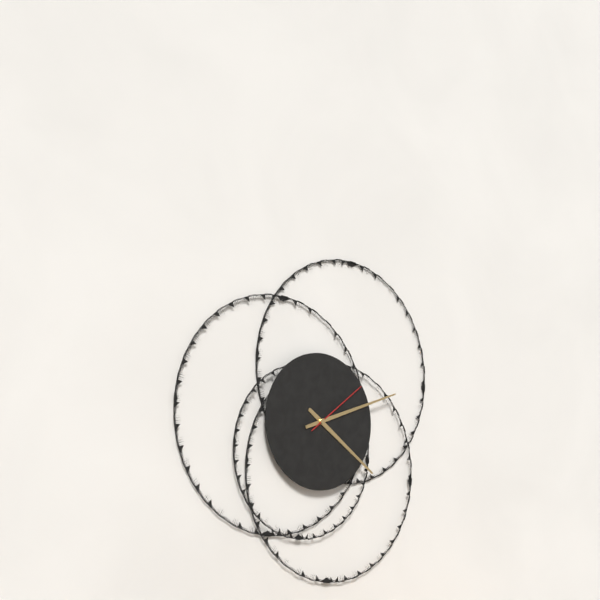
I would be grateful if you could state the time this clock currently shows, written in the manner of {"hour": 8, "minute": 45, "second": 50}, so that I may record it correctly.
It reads {"hour": 4, "minute": 12, "second": 9}
